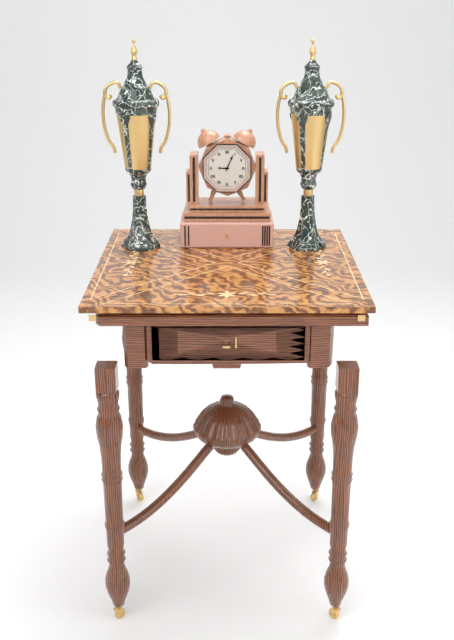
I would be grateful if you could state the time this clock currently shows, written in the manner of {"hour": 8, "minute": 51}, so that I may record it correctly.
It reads {"hour": 9, "minute": 4}
